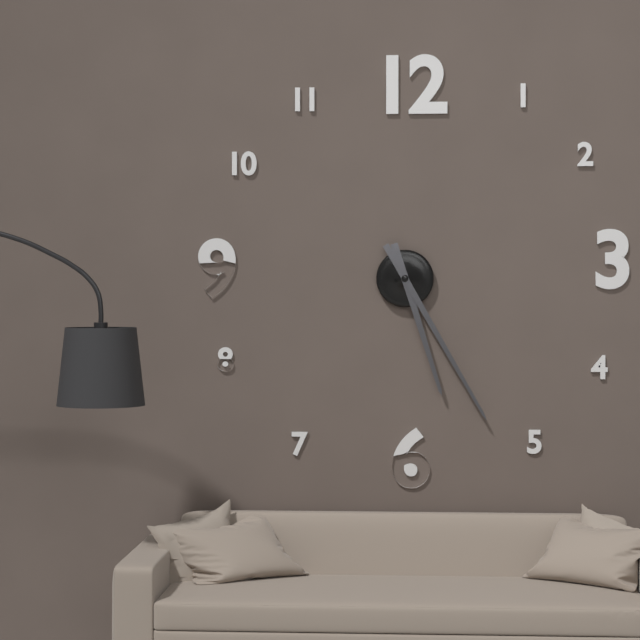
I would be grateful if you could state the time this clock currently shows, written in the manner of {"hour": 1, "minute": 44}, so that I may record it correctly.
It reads {"hour": 5, "minute": 25}
